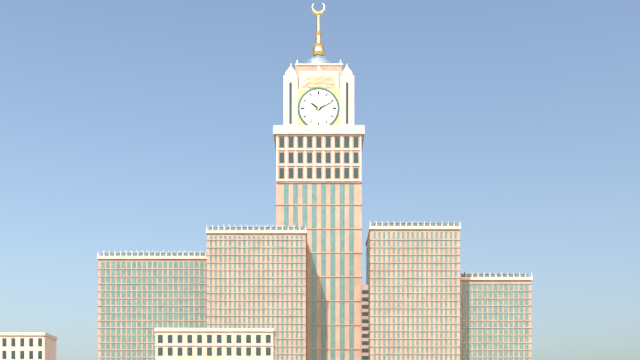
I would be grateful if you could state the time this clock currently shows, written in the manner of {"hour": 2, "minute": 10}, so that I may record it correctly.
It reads {"hour": 10, "minute": 11}
